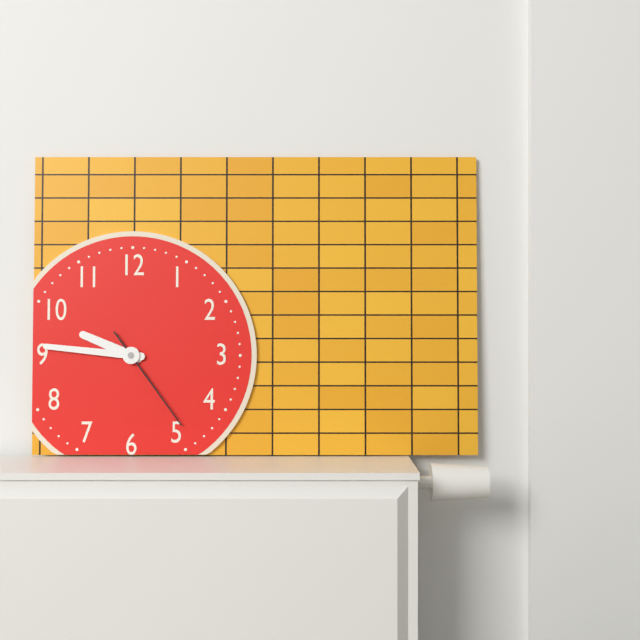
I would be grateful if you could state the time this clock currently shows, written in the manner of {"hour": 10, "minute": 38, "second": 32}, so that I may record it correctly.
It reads {"hour": 9, "minute": 46, "second": 24}
